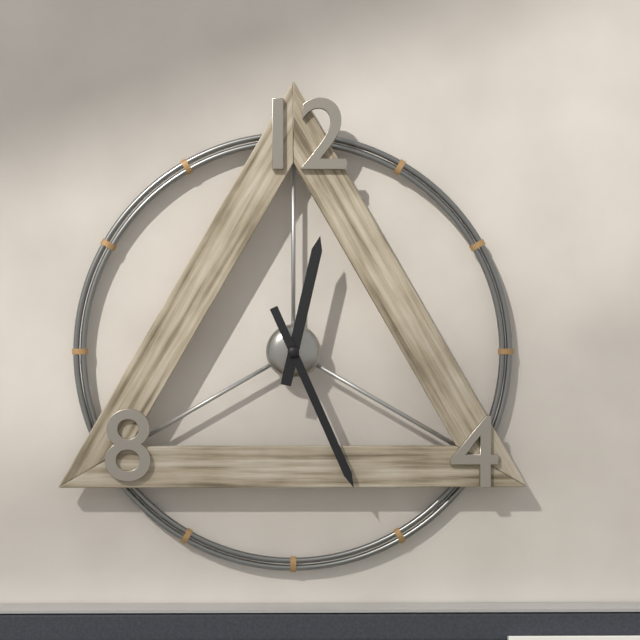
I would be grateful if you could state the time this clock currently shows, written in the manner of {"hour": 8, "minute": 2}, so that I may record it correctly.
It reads {"hour": 12, "minute": 26}
